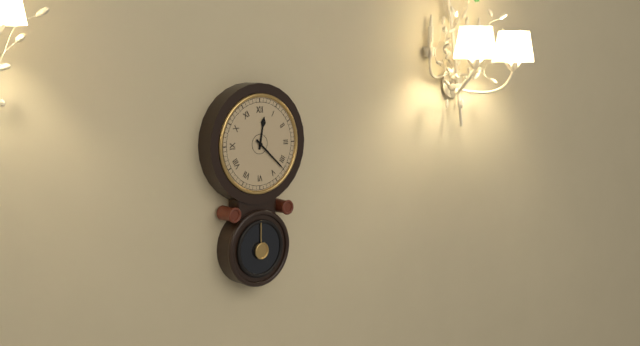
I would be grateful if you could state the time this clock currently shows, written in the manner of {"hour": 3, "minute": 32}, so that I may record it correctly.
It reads {"hour": 12, "minute": 22}
